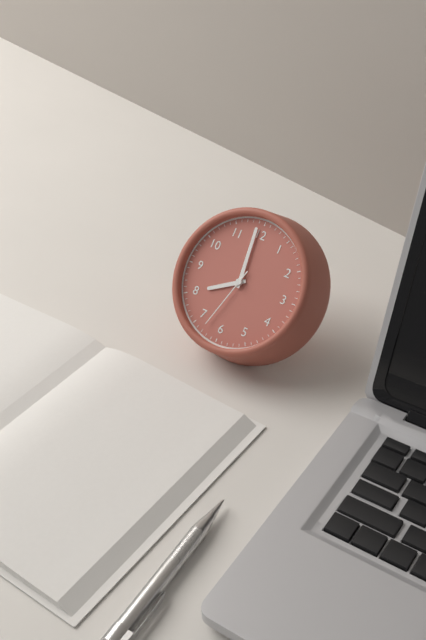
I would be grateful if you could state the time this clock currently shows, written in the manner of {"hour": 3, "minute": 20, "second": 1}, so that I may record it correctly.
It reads {"hour": 7, "minute": 59, "second": 33}
